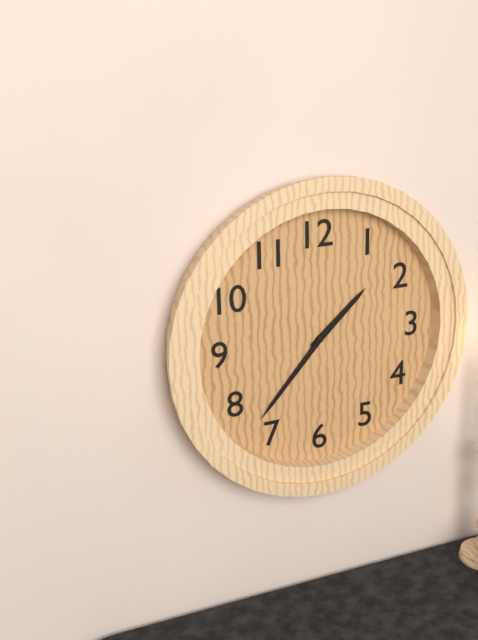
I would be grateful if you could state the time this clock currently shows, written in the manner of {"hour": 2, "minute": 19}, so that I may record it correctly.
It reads {"hour": 1, "minute": 37}
